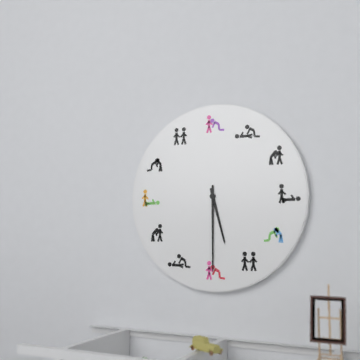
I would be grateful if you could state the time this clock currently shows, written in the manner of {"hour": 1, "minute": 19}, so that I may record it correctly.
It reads {"hour": 5, "minute": 30}
